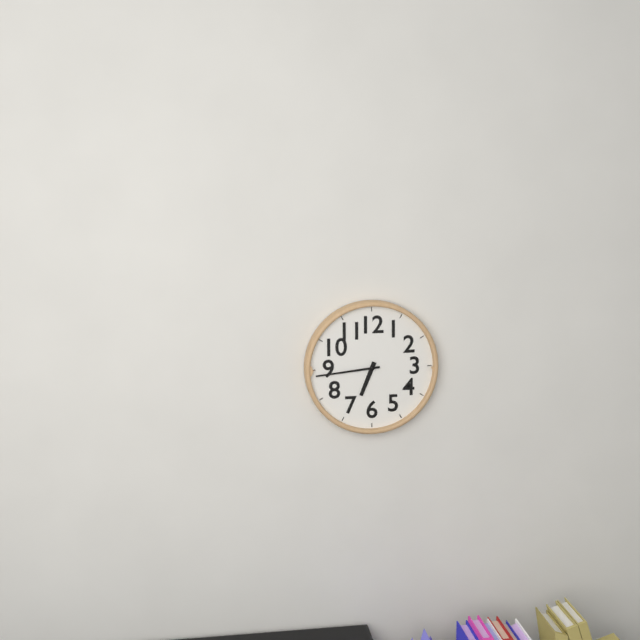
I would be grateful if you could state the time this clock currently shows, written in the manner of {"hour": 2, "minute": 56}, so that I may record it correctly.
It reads {"hour": 6, "minute": 44}
